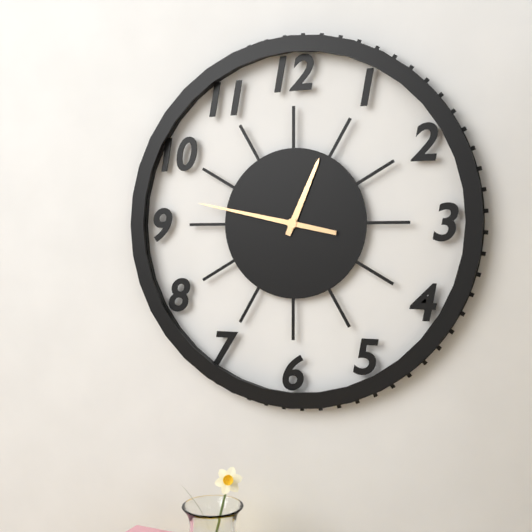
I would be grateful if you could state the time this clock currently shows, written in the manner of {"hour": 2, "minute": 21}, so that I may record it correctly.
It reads {"hour": 12, "minute": 47}
